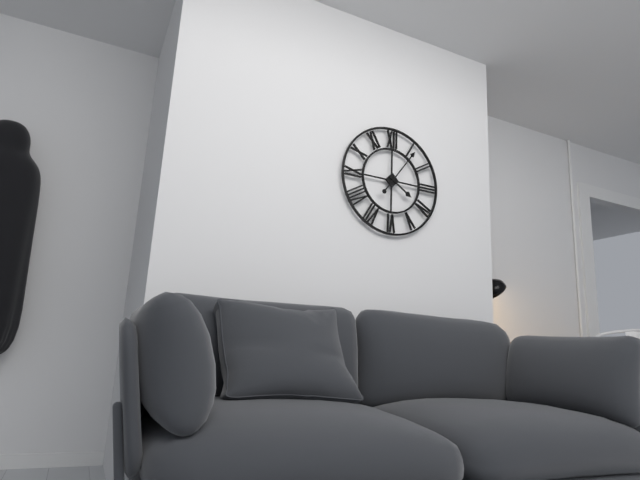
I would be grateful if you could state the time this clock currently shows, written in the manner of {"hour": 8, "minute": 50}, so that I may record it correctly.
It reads {"hour": 4, "minute": 6}
